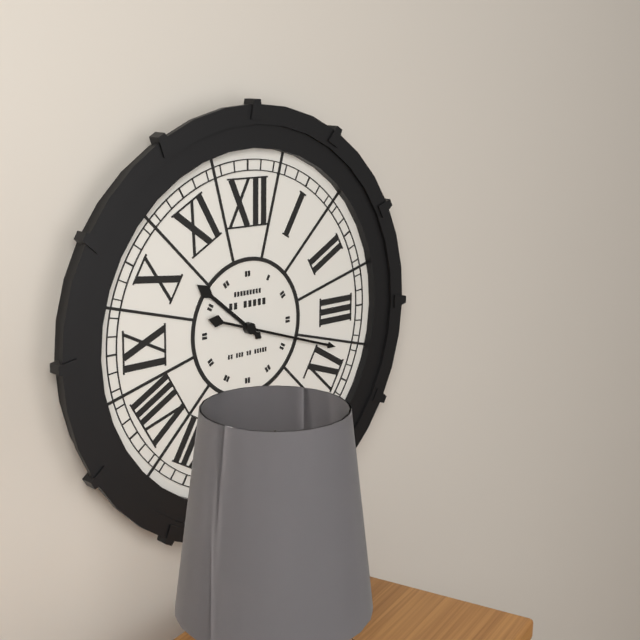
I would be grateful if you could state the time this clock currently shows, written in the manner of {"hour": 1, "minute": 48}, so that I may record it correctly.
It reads {"hour": 10, "minute": 18}
